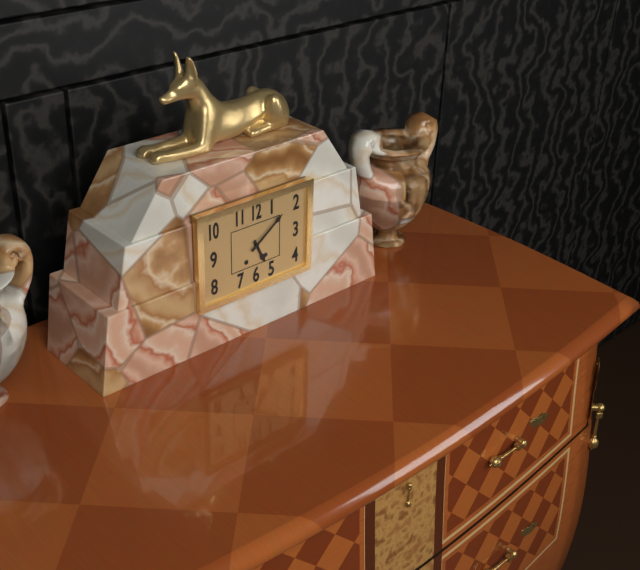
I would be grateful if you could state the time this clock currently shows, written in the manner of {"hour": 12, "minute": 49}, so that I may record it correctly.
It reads {"hour": 5, "minute": 9}
